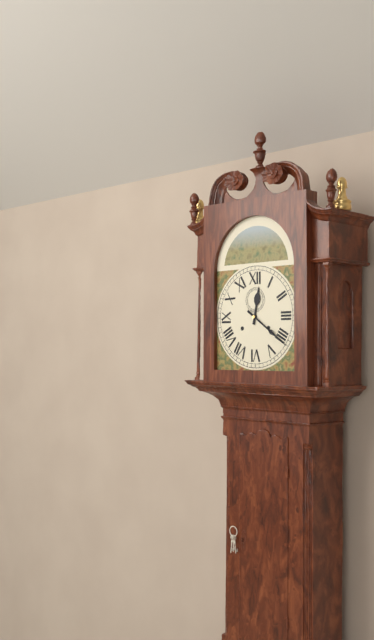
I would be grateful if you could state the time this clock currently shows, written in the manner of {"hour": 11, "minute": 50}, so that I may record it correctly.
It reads {"hour": 12, "minute": 21}
